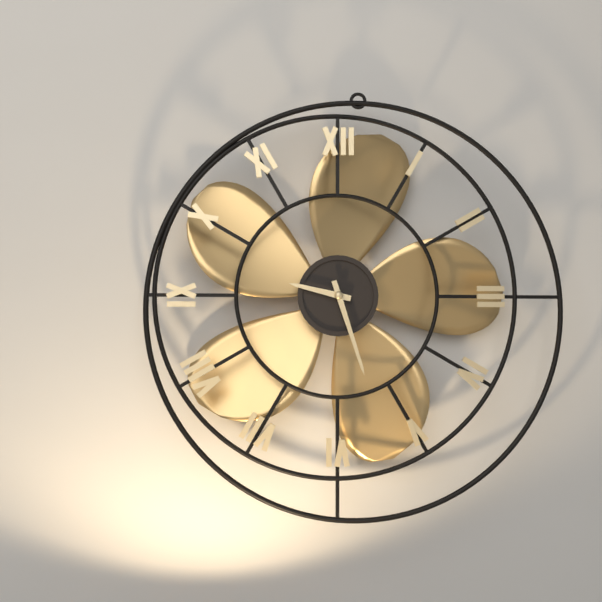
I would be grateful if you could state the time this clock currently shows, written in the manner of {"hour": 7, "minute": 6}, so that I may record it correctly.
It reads {"hour": 9, "minute": 27}
